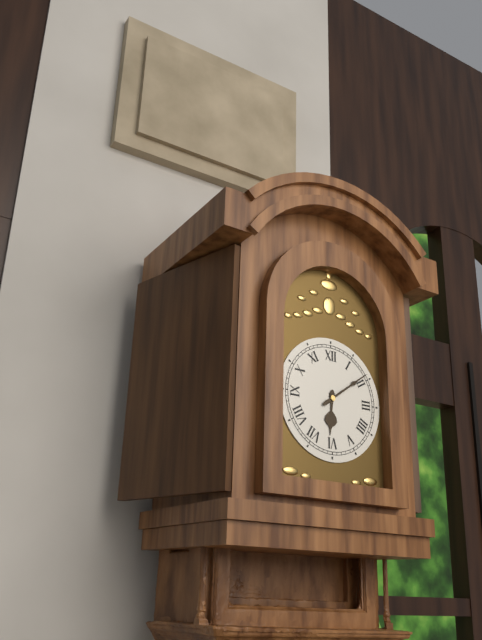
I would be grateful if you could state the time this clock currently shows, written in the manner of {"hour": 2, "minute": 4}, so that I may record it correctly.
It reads {"hour": 6, "minute": 9}
